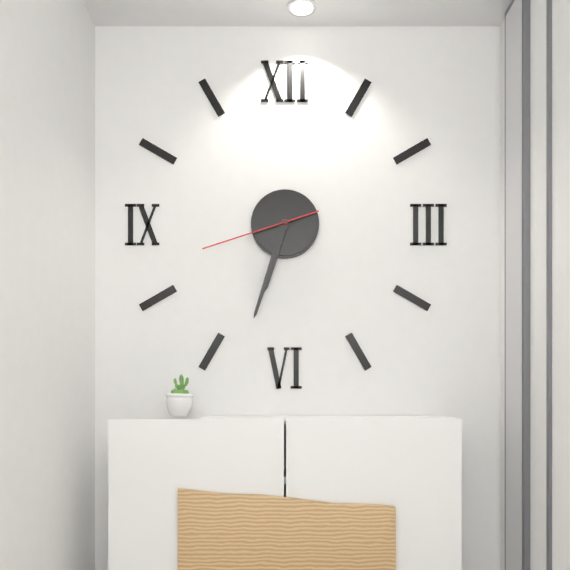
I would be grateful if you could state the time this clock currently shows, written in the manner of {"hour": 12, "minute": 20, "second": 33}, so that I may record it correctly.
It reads {"hour": 6, "minute": 33, "second": 42}
